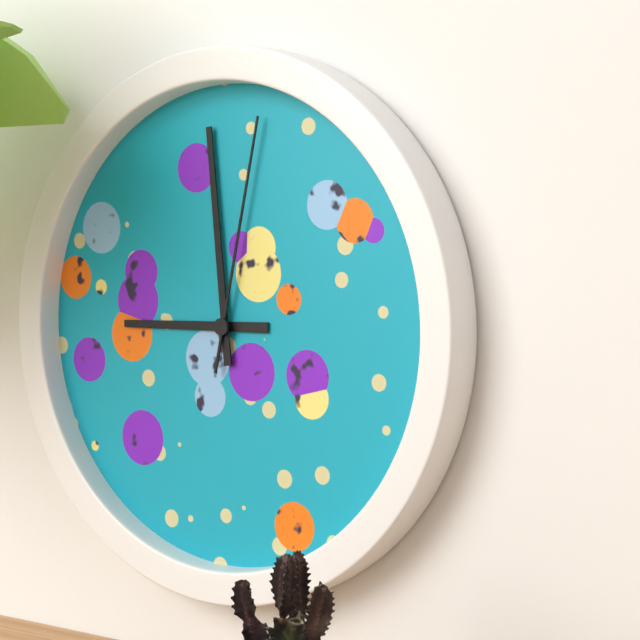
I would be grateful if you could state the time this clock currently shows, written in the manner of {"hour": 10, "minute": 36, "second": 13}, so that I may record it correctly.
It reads {"hour": 8, "minute": 59, "second": 2}
